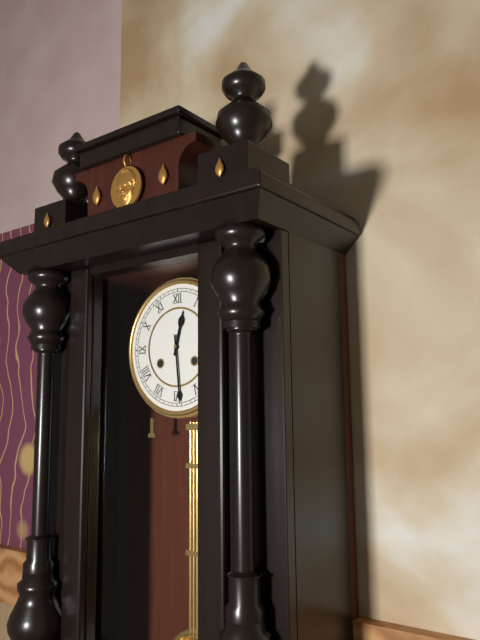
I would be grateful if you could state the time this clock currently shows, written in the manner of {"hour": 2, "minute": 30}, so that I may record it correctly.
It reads {"hour": 12, "minute": 29}
